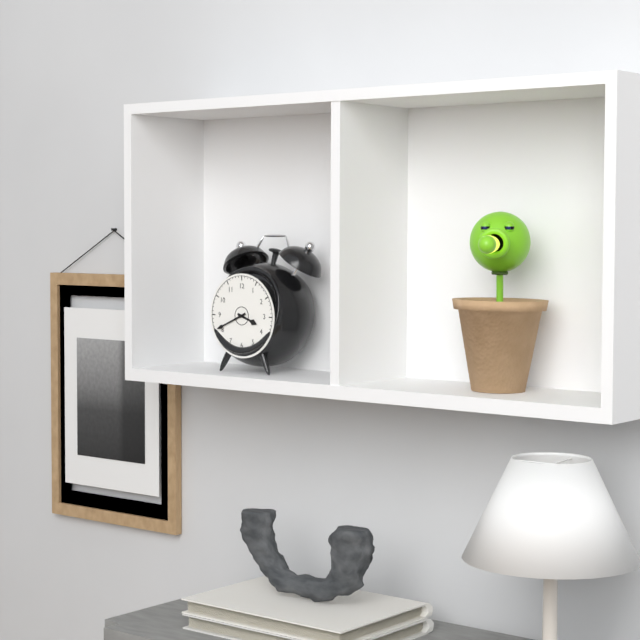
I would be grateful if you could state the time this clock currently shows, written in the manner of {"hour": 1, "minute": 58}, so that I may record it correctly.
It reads {"hour": 3, "minute": 41}
